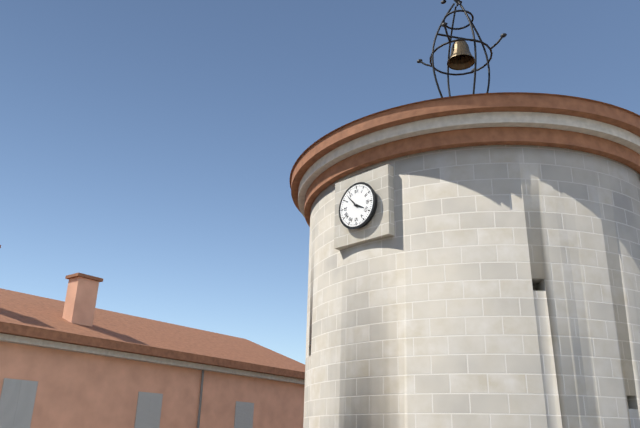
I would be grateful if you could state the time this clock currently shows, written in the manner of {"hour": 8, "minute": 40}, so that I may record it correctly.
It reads {"hour": 3, "minute": 53}
